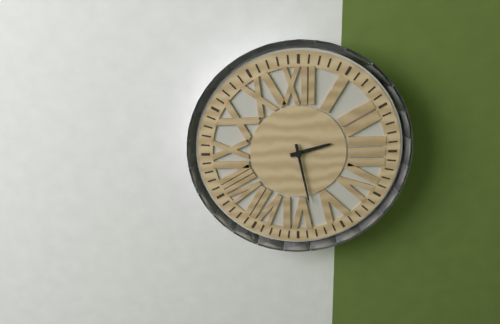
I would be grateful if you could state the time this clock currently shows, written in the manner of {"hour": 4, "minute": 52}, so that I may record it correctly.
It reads {"hour": 2, "minute": 28}
